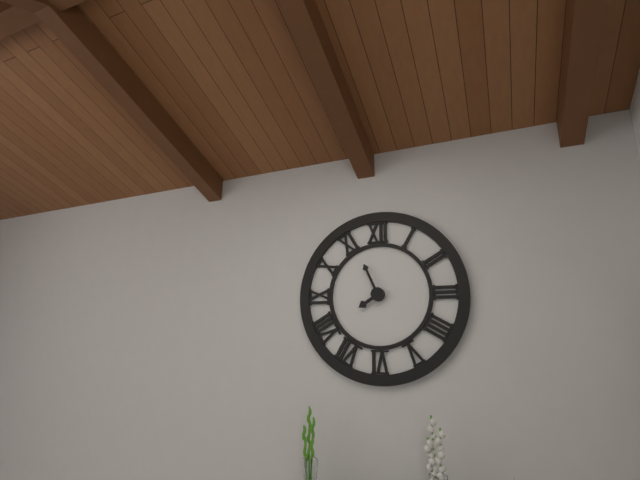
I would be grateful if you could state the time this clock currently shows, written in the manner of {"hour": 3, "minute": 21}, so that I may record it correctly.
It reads {"hour": 7, "minute": 56}
